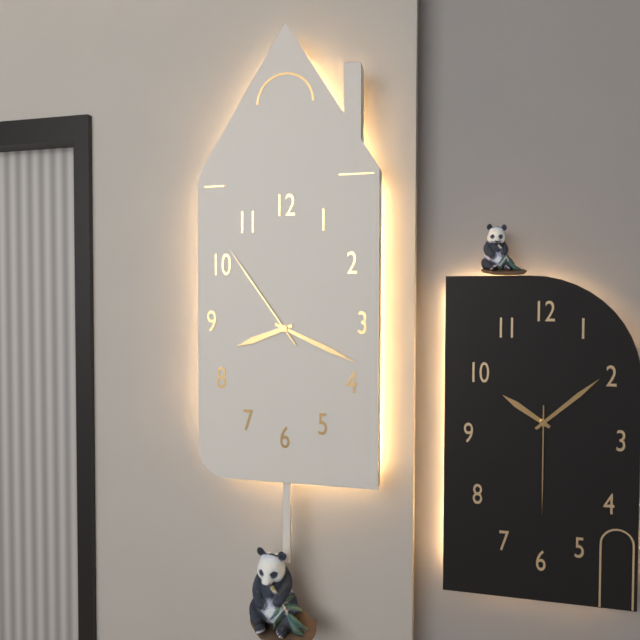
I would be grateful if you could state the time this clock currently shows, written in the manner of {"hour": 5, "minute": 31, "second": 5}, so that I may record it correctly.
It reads {"hour": 8, "minute": 19, "second": 54}
